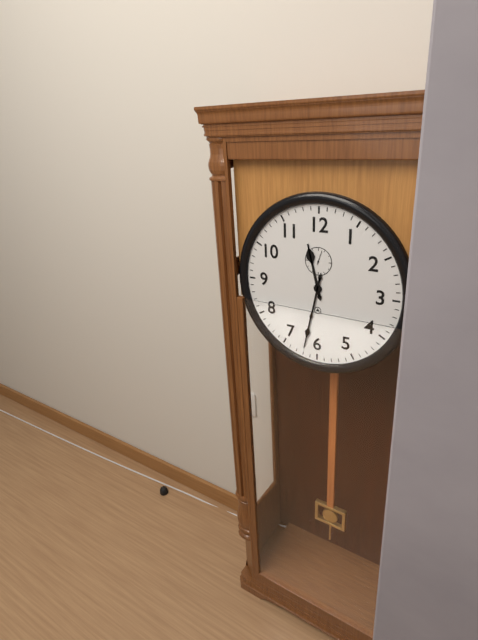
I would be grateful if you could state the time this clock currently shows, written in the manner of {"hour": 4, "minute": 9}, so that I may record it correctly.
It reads {"hour": 11, "minute": 32}
